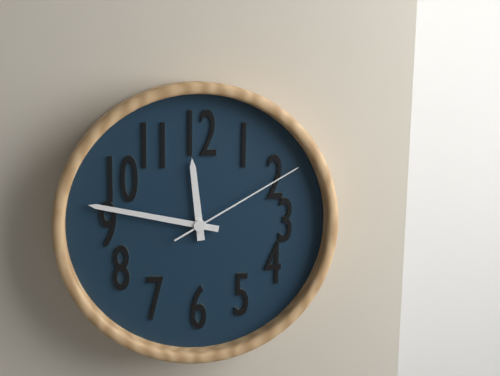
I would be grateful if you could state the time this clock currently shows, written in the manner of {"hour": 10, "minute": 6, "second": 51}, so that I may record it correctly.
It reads {"hour": 11, "minute": 47, "second": 10}
